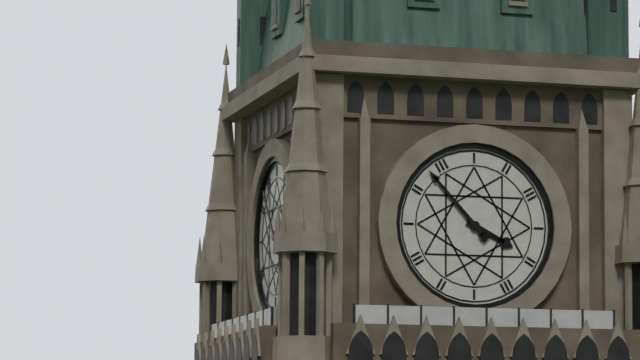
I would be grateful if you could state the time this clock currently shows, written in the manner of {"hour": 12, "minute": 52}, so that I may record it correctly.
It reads {"hour": 3, "minute": 53}
